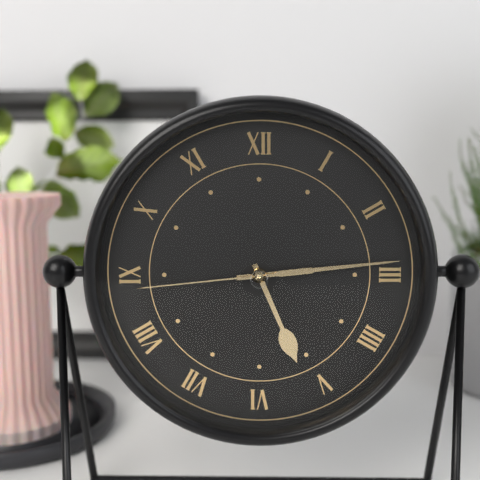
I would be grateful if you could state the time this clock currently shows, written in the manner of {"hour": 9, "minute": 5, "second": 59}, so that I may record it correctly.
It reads {"hour": 5, "minute": 14, "second": 44}
